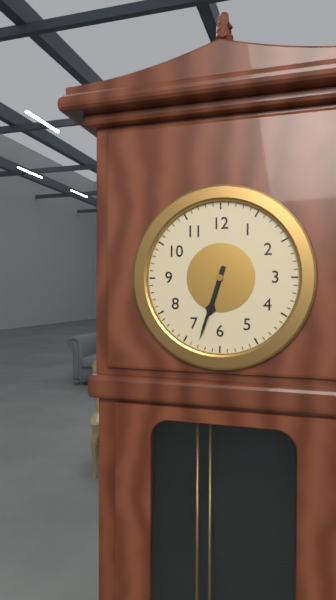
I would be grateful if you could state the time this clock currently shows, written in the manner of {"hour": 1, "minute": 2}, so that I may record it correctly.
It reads {"hour": 6, "minute": 33}
